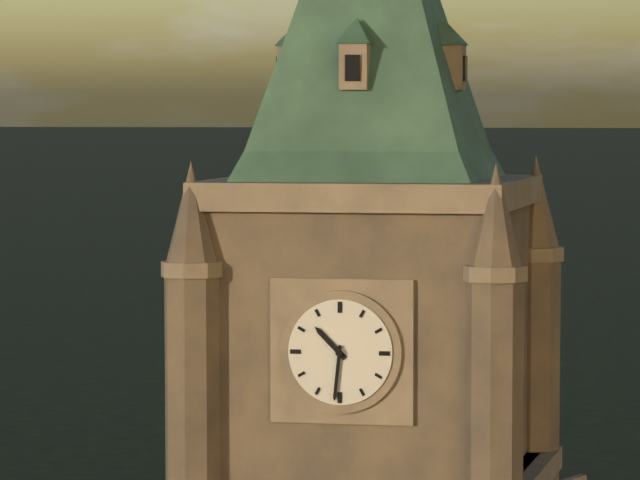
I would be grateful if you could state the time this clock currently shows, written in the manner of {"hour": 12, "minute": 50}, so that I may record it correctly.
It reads {"hour": 10, "minute": 31}
